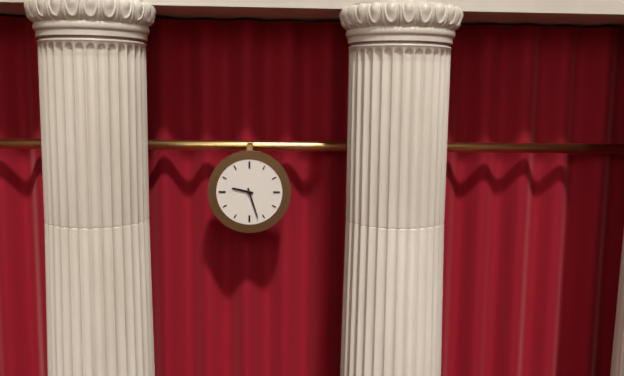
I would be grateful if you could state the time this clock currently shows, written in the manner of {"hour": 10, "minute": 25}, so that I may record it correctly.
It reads {"hour": 9, "minute": 27}
